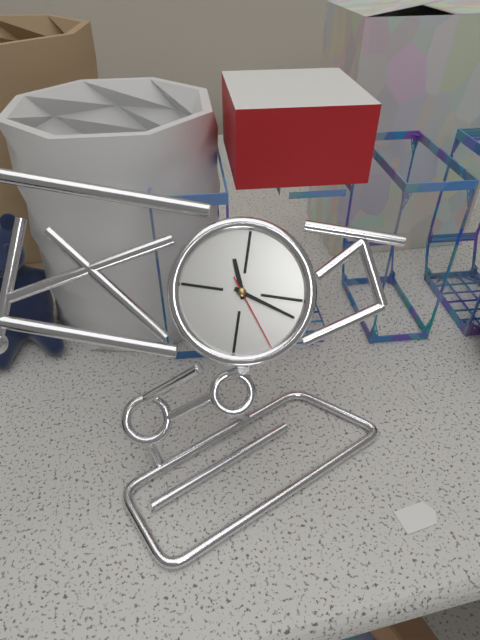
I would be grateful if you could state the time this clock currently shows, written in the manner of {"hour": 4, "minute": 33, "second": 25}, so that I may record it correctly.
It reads {"hour": 11, "minute": 18, "second": 24}
